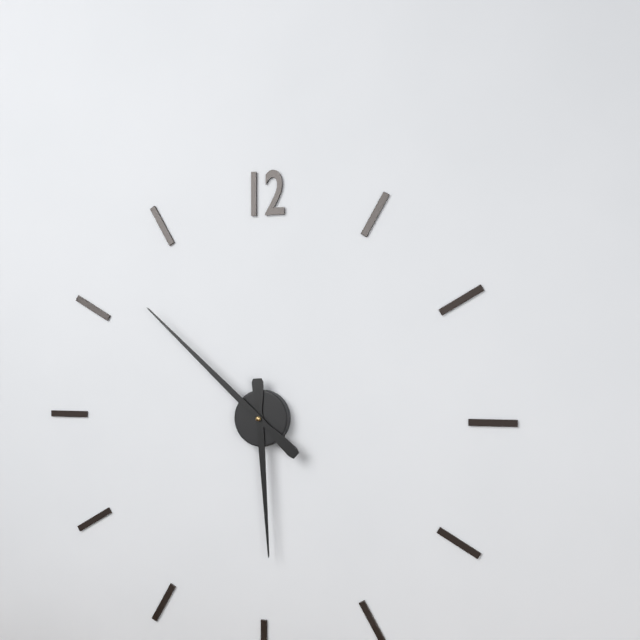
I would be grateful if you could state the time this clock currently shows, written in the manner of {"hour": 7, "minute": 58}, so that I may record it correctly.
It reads {"hour": 5, "minute": 52}
